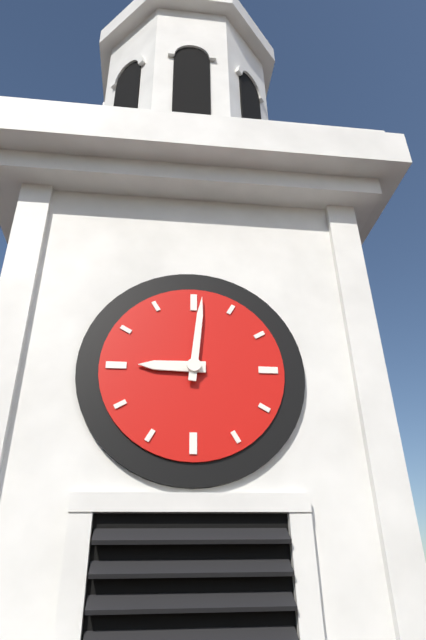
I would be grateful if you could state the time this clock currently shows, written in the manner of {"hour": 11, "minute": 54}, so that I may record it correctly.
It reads {"hour": 9, "minute": 1}
